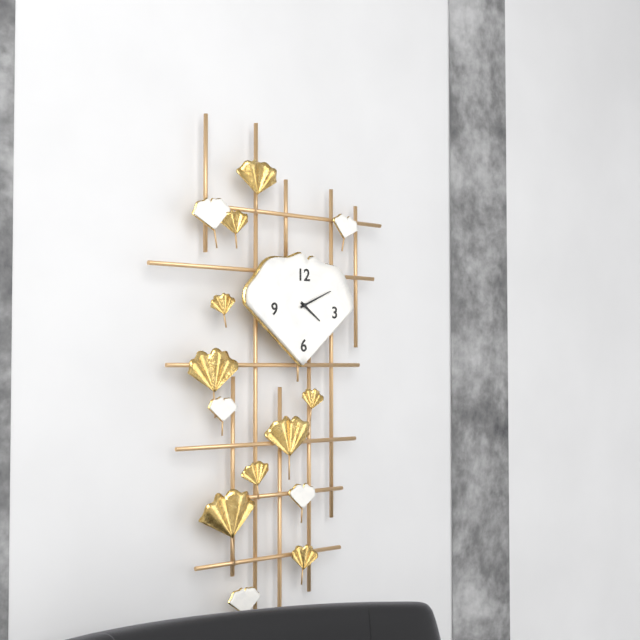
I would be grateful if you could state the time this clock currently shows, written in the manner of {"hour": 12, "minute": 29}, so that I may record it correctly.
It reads {"hour": 4, "minute": 11}
